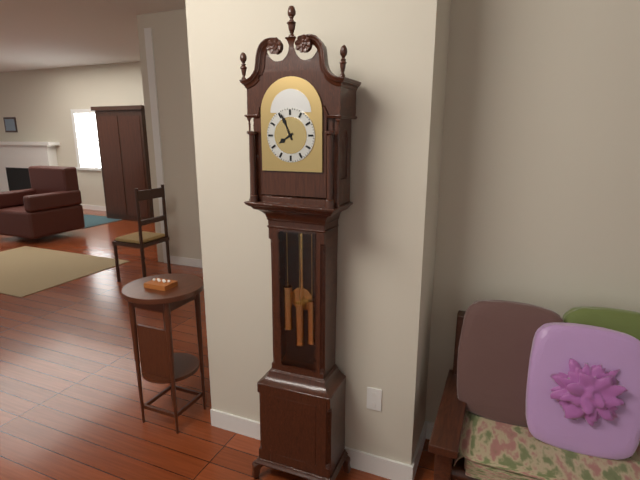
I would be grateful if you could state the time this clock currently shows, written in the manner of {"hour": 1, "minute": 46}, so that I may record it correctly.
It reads {"hour": 7, "minute": 56}
